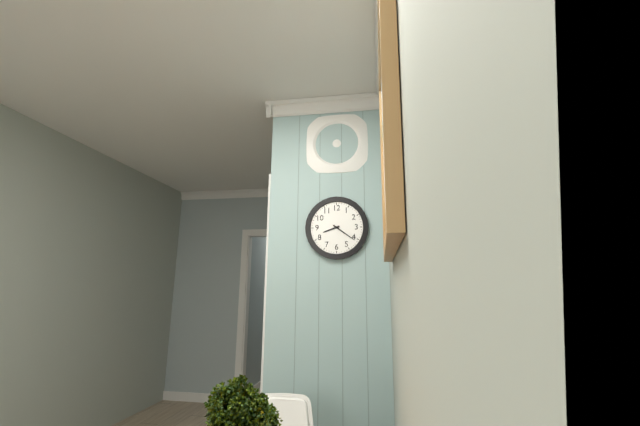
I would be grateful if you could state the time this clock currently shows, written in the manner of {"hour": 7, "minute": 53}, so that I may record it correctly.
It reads {"hour": 8, "minute": 21}
